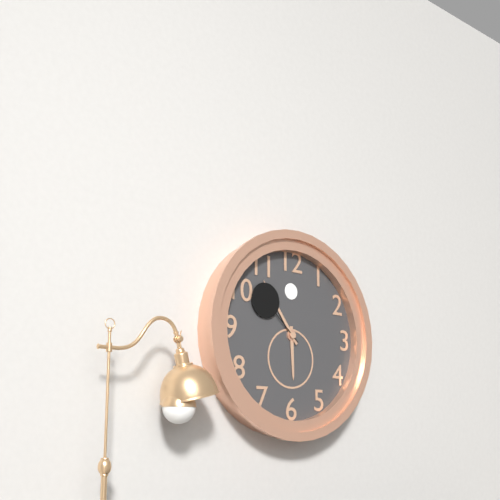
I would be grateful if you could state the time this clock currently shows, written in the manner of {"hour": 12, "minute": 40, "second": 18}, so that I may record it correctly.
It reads {"hour": 5, "minute": 54, "second": 52}
